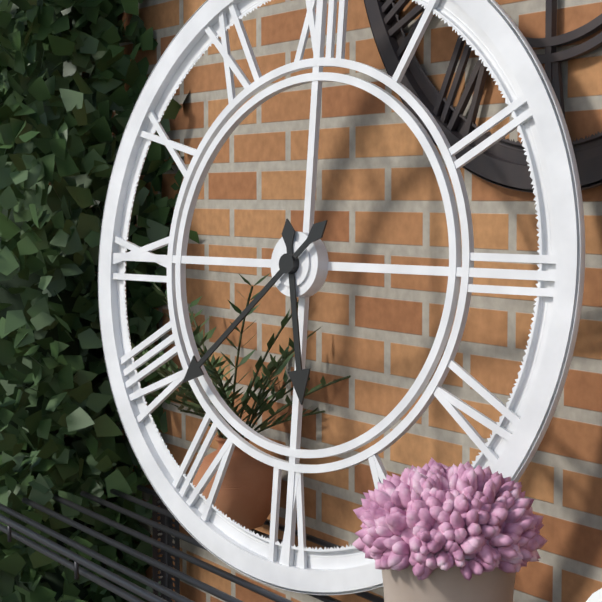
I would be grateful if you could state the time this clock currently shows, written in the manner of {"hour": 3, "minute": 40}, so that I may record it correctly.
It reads {"hour": 5, "minute": 38}
